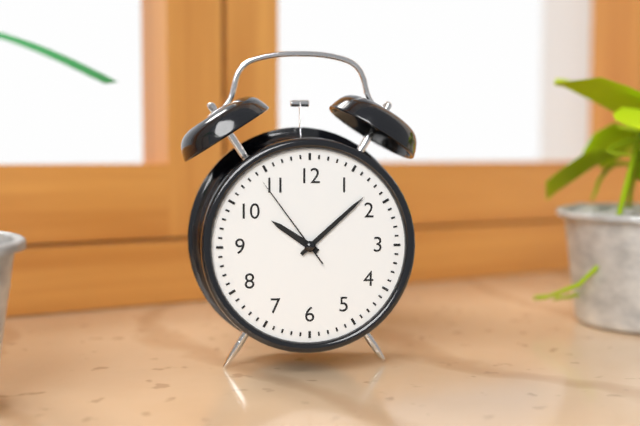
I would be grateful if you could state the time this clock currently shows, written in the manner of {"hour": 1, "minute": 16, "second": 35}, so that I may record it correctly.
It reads {"hour": 10, "minute": 8, "second": 54}
